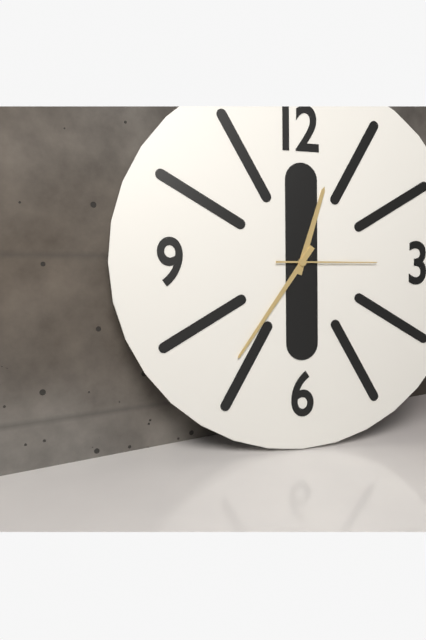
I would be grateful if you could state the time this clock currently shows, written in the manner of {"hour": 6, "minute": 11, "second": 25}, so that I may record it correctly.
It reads {"hour": 12, "minute": 36, "second": 15}
